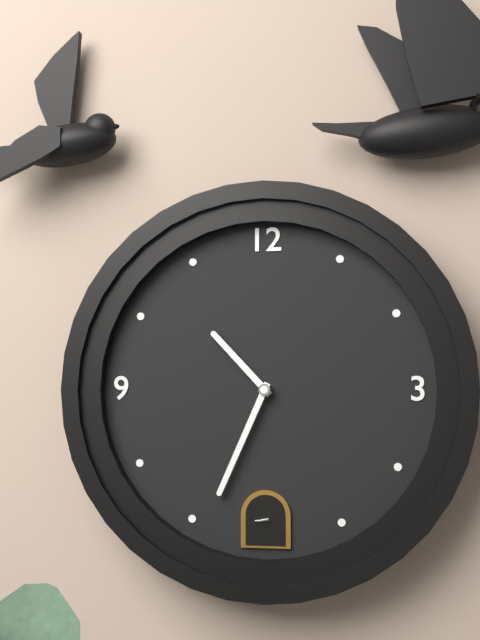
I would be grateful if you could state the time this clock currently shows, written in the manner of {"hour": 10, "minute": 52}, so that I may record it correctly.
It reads {"hour": 10, "minute": 34}
